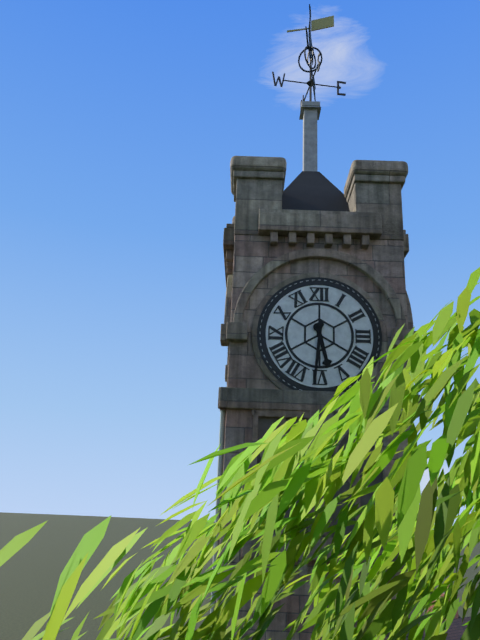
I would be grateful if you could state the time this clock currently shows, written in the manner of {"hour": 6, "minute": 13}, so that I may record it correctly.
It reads {"hour": 5, "minute": 31}
